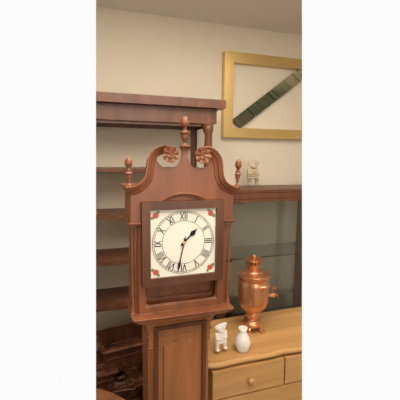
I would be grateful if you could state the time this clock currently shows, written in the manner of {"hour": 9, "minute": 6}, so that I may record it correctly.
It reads {"hour": 1, "minute": 32}
